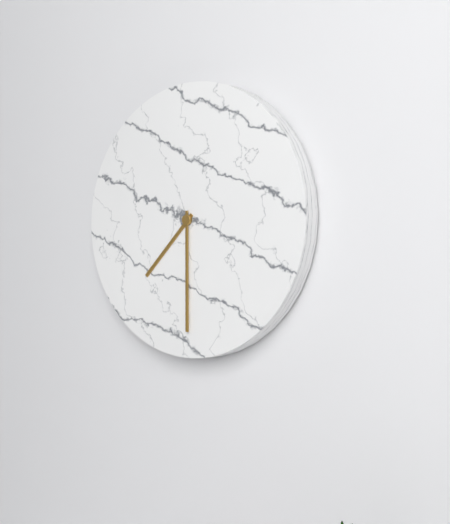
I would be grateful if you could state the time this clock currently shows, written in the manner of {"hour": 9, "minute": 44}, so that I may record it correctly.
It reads {"hour": 7, "minute": 30}
